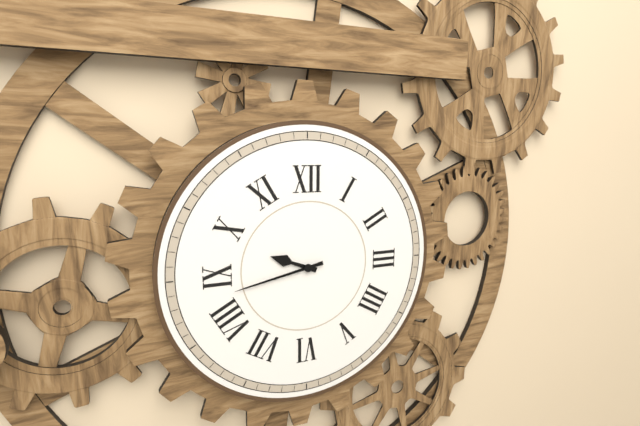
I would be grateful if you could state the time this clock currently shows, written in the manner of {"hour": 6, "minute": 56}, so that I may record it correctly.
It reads {"hour": 9, "minute": 43}
